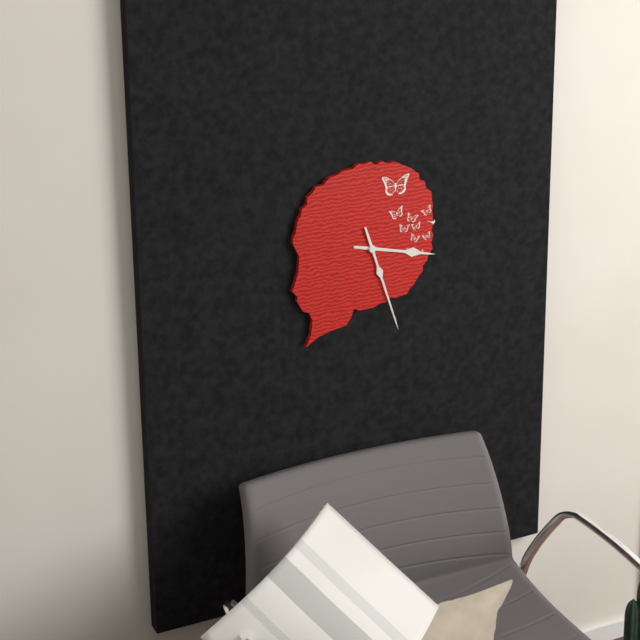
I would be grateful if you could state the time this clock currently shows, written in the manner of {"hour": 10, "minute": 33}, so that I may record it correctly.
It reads {"hour": 3, "minute": 27}
